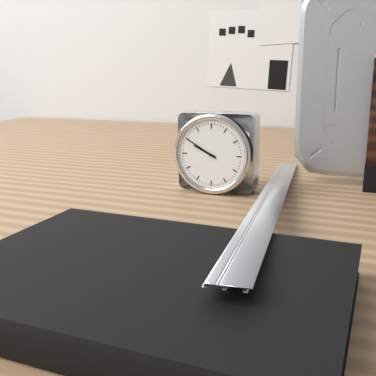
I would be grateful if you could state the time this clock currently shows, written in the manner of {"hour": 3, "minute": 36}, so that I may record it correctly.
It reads {"hour": 9, "minute": 50}
